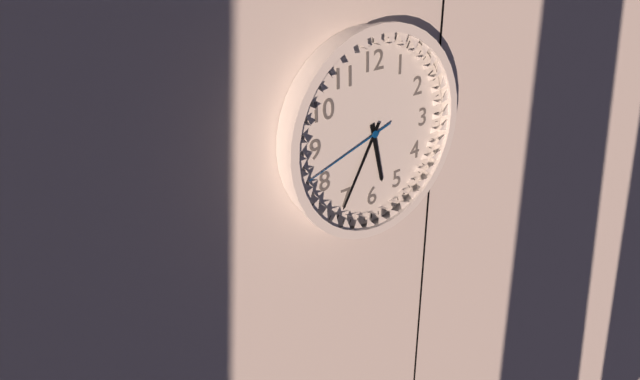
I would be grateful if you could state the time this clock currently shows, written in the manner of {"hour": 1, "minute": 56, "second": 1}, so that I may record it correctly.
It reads {"hour": 5, "minute": 35, "second": 42}
